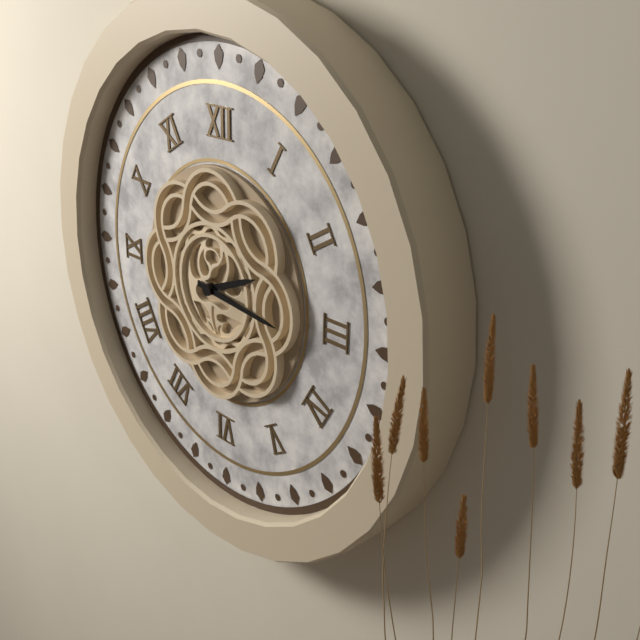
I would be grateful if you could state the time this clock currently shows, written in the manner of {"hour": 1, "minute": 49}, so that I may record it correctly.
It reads {"hour": 2, "minute": 16}
